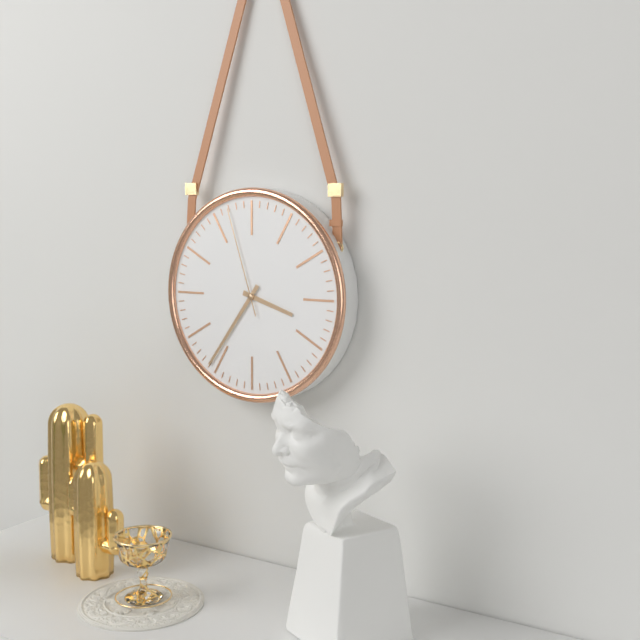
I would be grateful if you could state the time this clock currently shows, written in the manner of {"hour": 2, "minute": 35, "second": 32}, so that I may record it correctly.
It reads {"hour": 3, "minute": 36, "second": 57}
